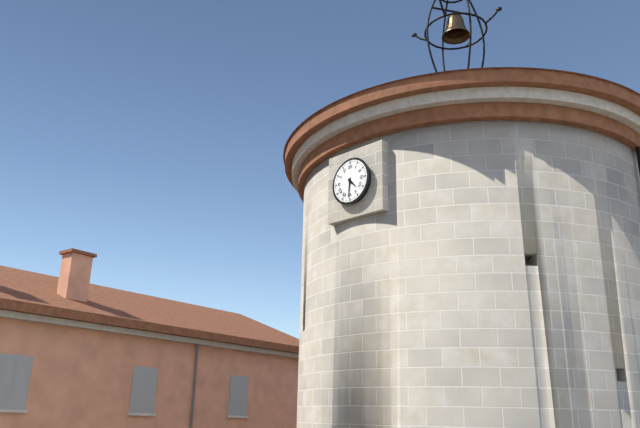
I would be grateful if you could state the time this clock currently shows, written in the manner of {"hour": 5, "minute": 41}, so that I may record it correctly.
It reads {"hour": 4, "minute": 31}
